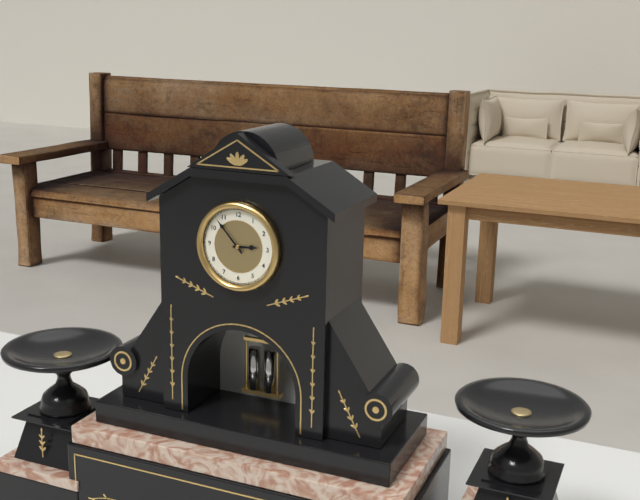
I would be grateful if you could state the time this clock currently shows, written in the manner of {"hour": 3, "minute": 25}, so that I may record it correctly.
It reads {"hour": 2, "minute": 53}
